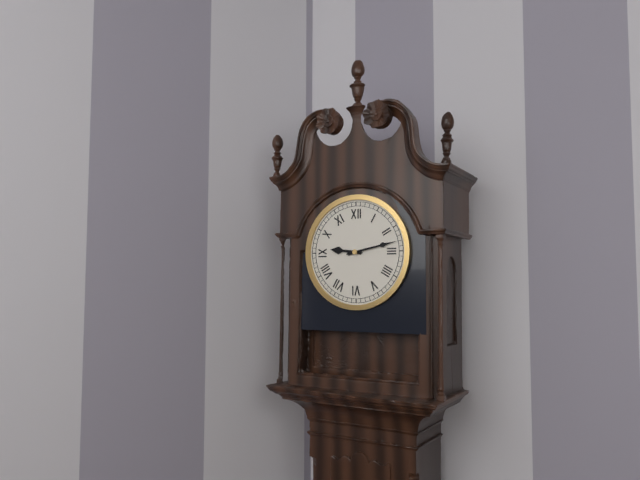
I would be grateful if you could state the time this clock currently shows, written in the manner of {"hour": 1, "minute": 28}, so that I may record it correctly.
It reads {"hour": 9, "minute": 13}
